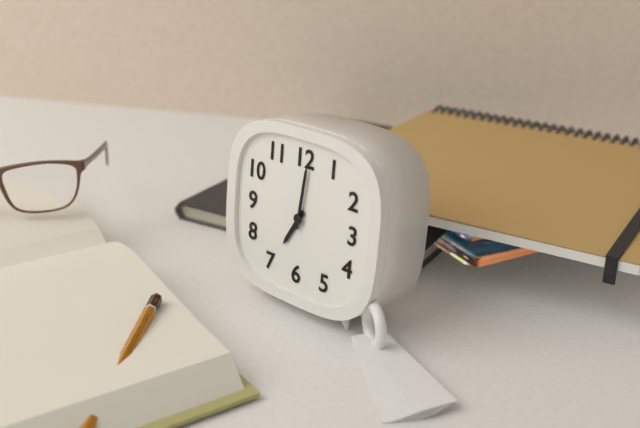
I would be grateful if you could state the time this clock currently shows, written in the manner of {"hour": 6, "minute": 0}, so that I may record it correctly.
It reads {"hour": 7, "minute": 1}
